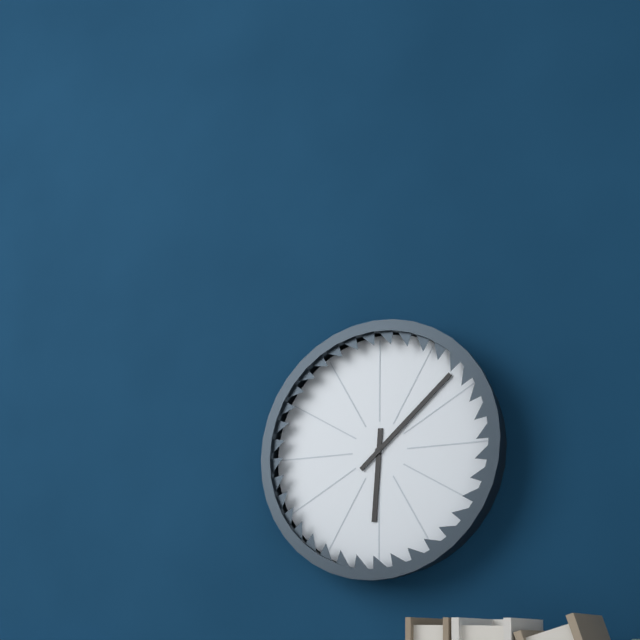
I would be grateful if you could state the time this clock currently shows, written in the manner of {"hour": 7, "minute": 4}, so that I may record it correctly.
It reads {"hour": 6, "minute": 8}
